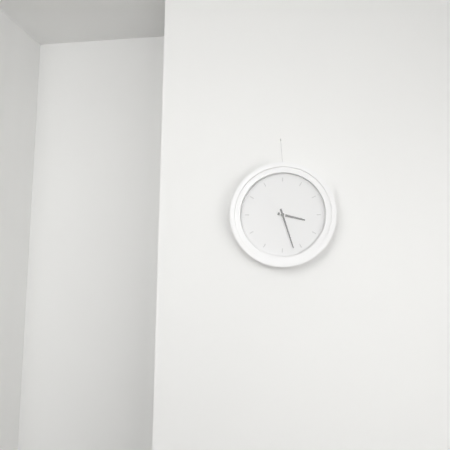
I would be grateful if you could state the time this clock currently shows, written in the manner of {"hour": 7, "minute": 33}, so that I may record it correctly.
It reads {"hour": 3, "minute": 27}
